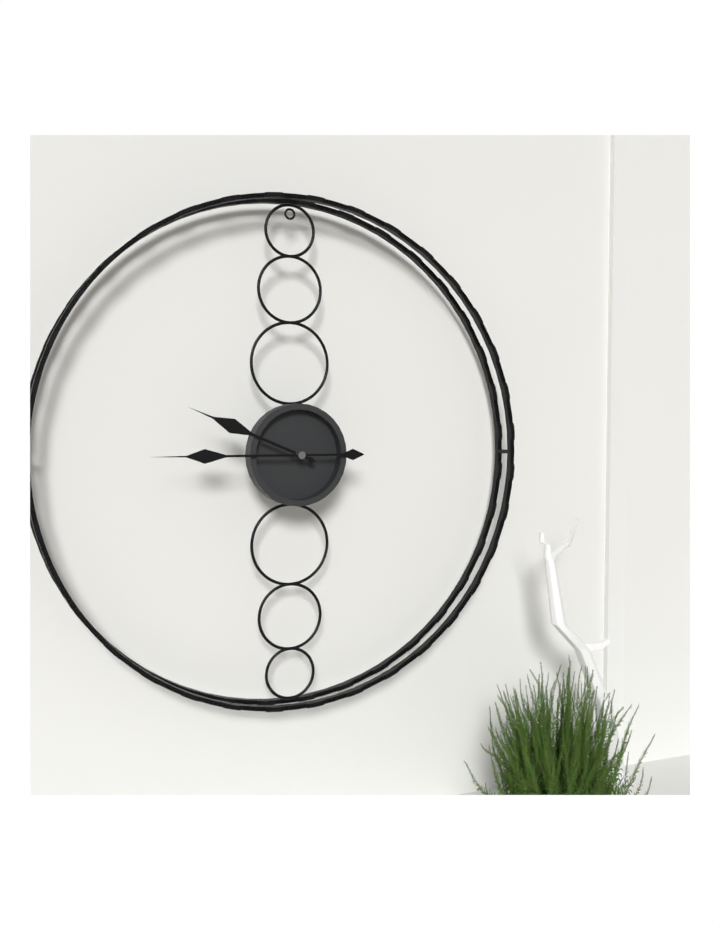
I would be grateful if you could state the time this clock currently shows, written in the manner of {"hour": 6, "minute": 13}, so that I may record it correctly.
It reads {"hour": 9, "minute": 45}
